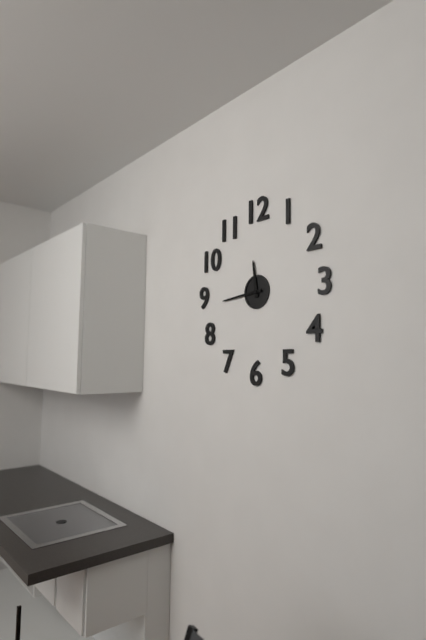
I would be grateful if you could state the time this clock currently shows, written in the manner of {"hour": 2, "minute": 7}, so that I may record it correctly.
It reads {"hour": 11, "minute": 44}
